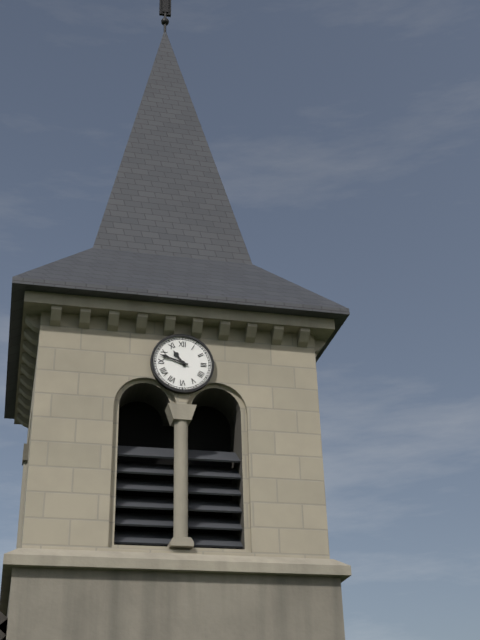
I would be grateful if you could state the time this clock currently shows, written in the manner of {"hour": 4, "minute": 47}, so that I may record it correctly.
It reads {"hour": 10, "minute": 48}
